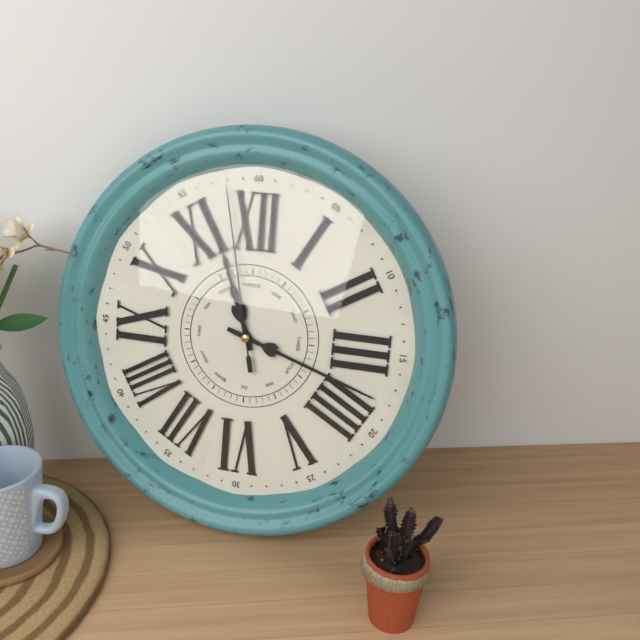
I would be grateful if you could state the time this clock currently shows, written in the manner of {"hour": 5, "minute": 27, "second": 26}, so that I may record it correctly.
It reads {"hour": 11, "minute": 18, "second": 58}
